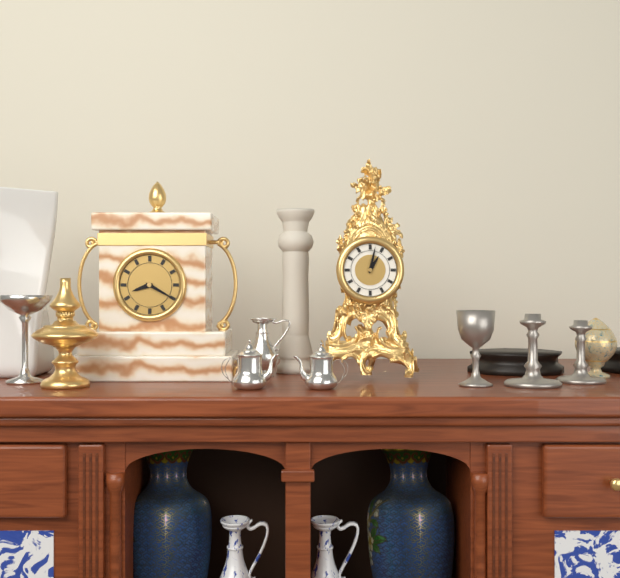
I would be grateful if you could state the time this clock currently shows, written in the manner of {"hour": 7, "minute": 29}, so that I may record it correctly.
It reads {"hour": 1, "minute": 2}
